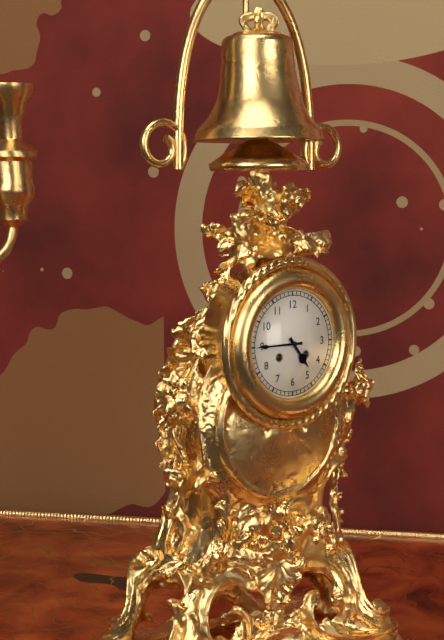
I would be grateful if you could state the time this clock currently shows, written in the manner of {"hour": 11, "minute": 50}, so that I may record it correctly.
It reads {"hour": 4, "minute": 45}
